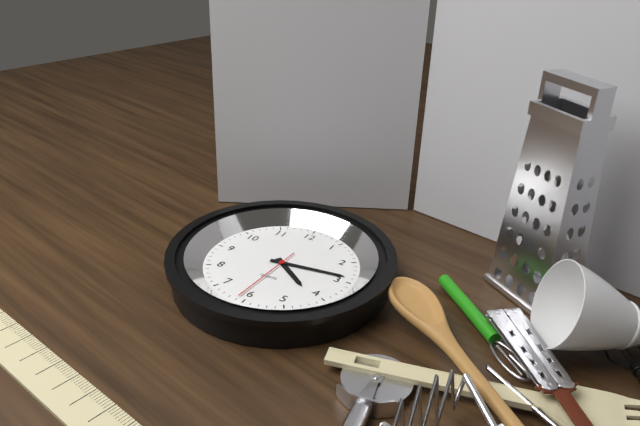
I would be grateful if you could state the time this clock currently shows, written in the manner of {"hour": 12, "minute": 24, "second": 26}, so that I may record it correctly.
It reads {"hour": 4, "minute": 14, "second": 31}
